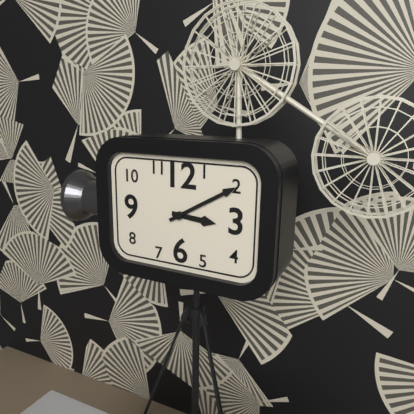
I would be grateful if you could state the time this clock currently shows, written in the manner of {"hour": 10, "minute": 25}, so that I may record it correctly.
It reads {"hour": 3, "minute": 10}
